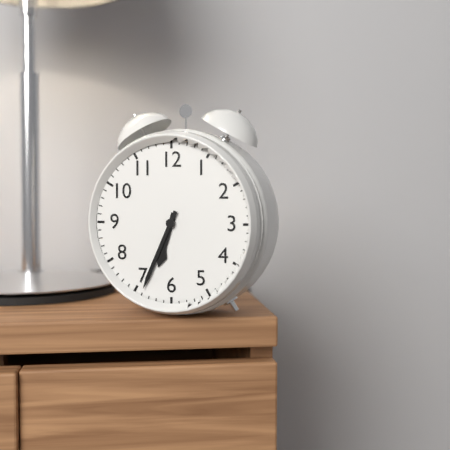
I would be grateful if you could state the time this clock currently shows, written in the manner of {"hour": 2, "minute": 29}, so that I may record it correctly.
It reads {"hour": 6, "minute": 34}
